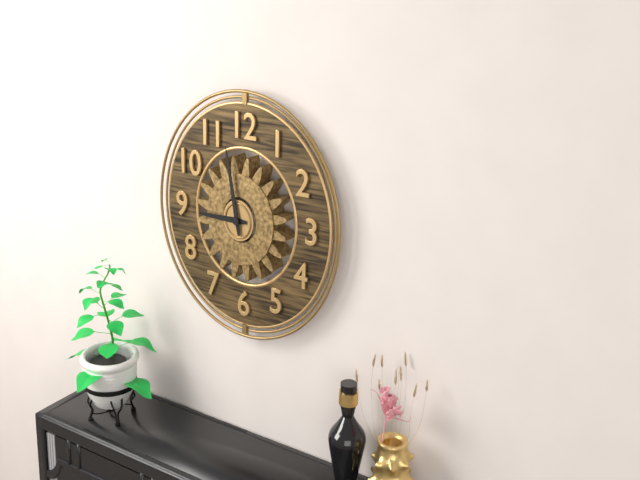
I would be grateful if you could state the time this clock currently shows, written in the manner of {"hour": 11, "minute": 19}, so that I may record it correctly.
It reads {"hour": 8, "minute": 58}
